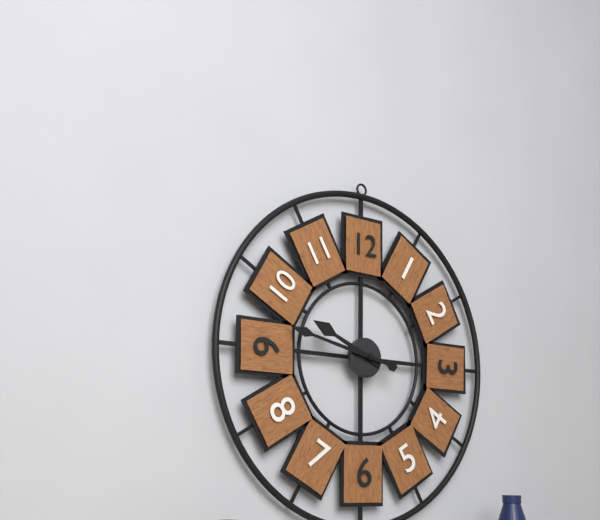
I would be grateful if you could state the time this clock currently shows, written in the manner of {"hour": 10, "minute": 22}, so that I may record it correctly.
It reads {"hour": 9, "minute": 47}
